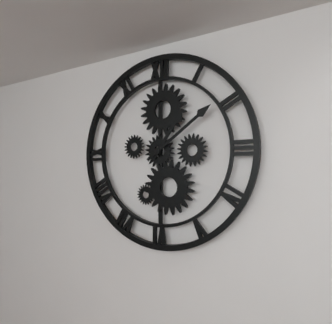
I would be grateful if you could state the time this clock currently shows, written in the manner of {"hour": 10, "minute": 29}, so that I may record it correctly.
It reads {"hour": 1, "minute": 9}
